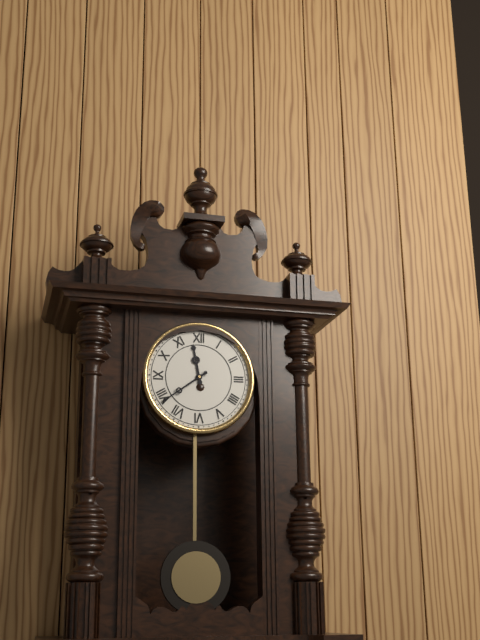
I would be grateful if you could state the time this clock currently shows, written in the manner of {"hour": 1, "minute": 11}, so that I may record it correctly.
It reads {"hour": 11, "minute": 39}
